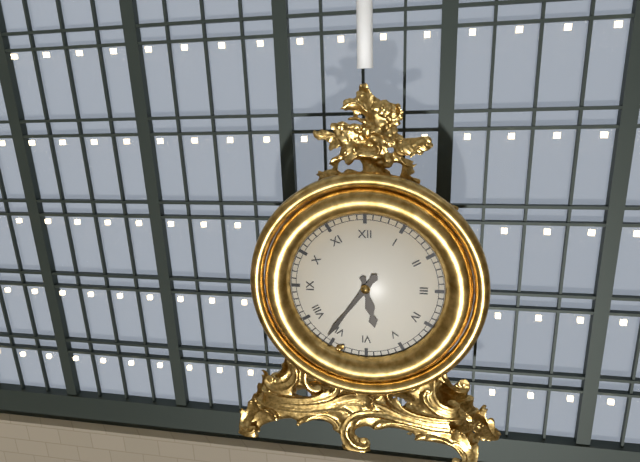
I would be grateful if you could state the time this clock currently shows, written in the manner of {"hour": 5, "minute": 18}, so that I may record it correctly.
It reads {"hour": 5, "minute": 36}
